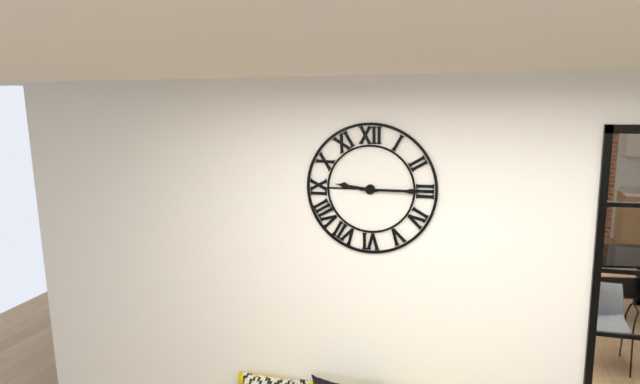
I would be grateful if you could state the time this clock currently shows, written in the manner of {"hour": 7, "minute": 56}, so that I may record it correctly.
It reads {"hour": 9, "minute": 15}
